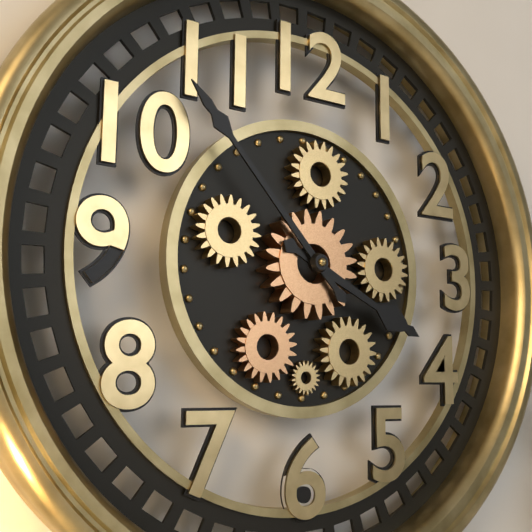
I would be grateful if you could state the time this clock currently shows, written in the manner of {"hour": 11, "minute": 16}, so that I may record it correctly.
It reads {"hour": 3, "minute": 53}
